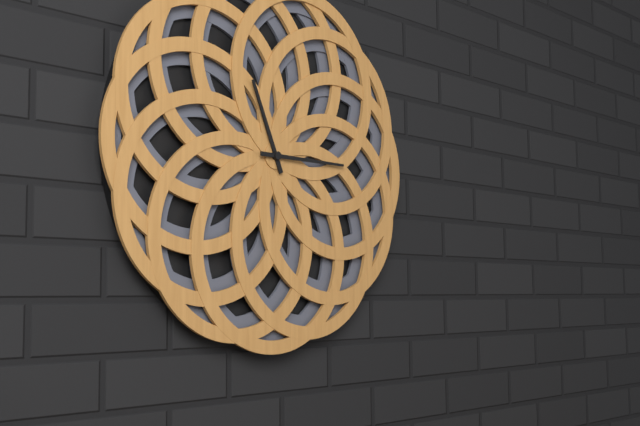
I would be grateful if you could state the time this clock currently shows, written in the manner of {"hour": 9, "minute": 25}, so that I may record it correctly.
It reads {"hour": 11, "minute": 15}
